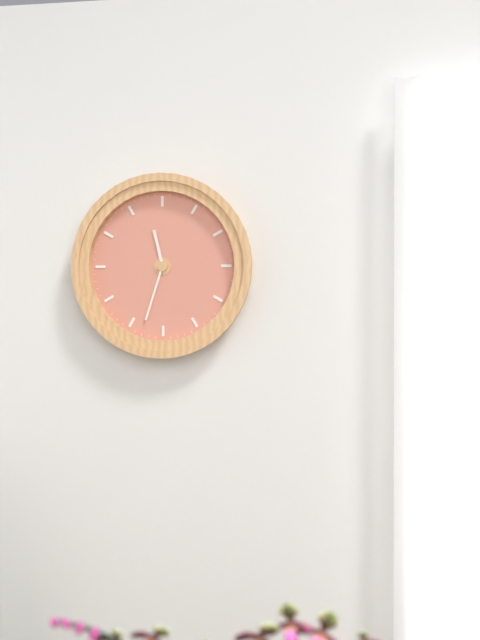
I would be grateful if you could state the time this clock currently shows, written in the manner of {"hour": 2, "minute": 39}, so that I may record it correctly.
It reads {"hour": 11, "minute": 33}
